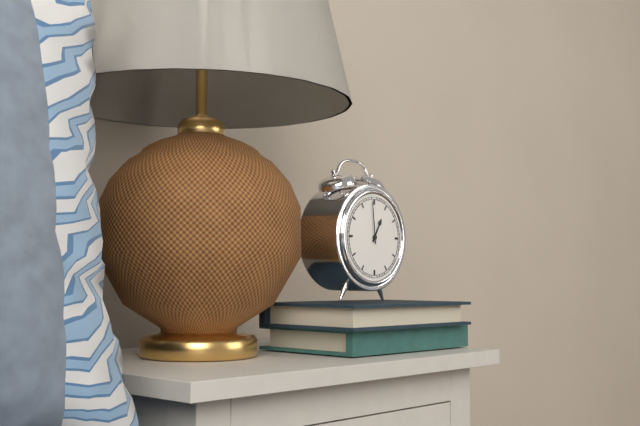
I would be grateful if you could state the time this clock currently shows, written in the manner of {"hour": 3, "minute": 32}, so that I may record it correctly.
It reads {"hour": 12, "minute": 59}
